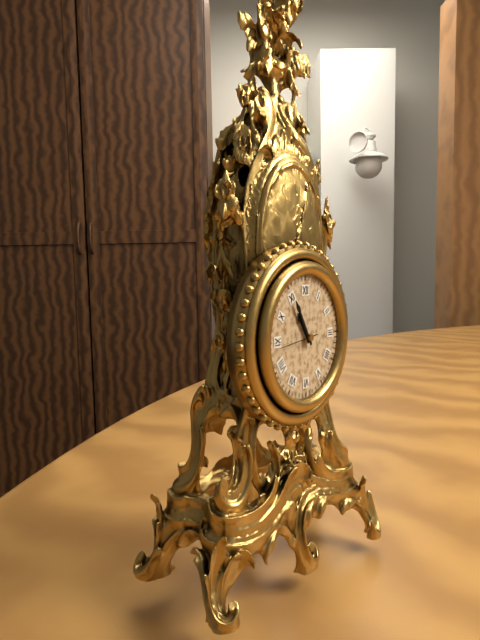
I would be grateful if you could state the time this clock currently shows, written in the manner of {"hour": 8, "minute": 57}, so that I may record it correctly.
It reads {"hour": 10, "minute": 55}
